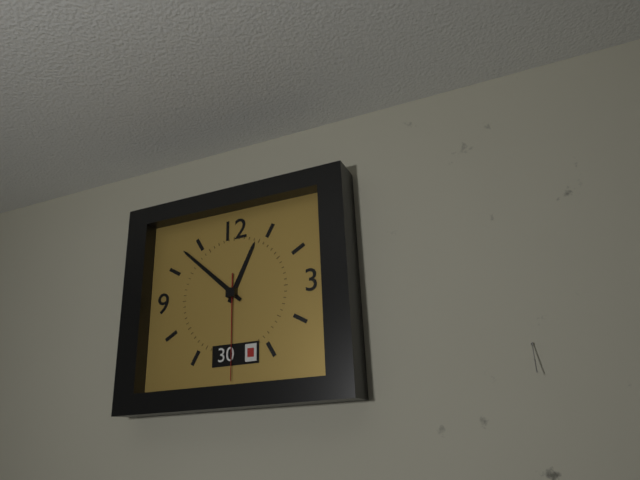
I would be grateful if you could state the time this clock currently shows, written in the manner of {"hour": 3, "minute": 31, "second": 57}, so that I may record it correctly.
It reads {"hour": 12, "minute": 52, "second": 30}
